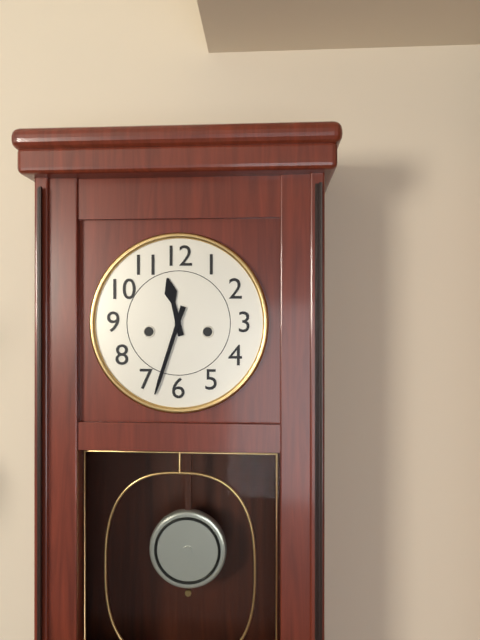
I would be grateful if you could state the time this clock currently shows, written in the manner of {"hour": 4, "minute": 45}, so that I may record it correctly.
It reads {"hour": 11, "minute": 33}
